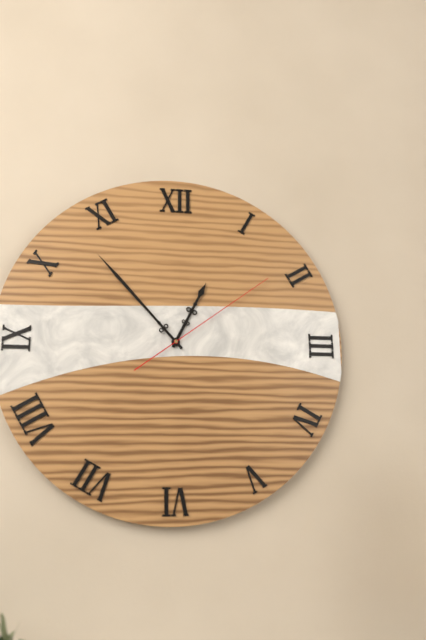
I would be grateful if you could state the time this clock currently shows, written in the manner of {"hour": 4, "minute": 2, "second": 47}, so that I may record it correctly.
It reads {"hour": 12, "minute": 53, "second": 9}
